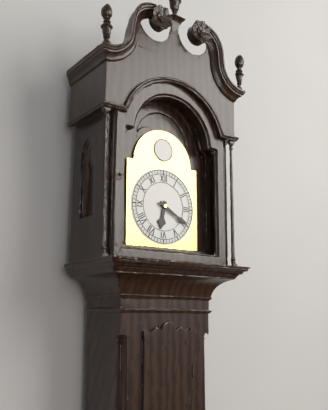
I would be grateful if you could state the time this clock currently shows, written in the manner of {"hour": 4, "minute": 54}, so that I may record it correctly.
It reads {"hour": 6, "minute": 20}
